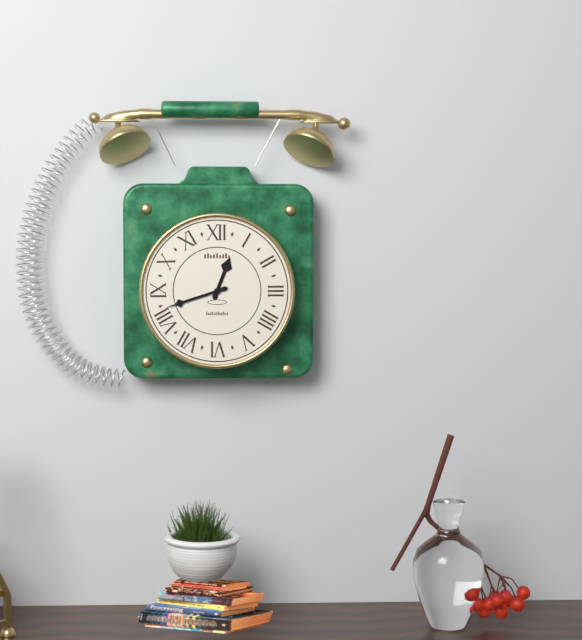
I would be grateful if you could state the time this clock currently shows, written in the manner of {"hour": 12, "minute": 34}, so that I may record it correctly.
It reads {"hour": 12, "minute": 42}
